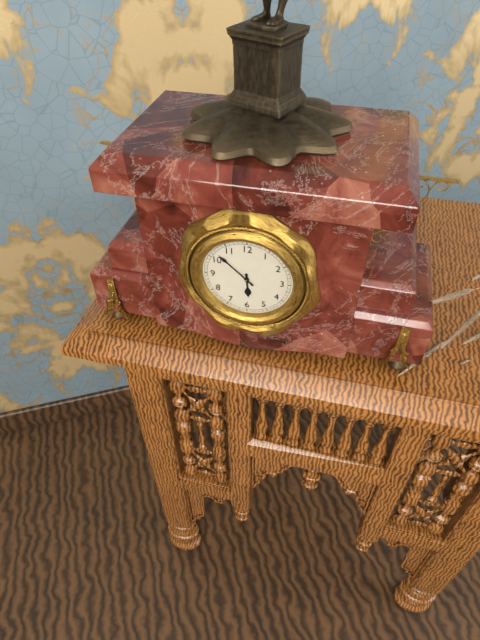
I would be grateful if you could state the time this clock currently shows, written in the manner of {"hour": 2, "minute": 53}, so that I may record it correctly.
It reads {"hour": 5, "minute": 52}
